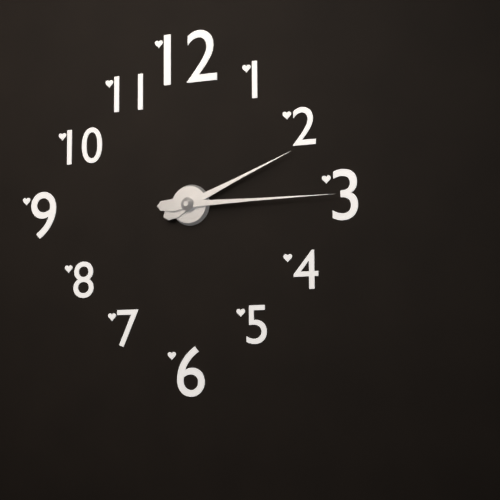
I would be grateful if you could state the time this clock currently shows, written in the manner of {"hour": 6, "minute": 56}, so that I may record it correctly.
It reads {"hour": 2, "minute": 15}
